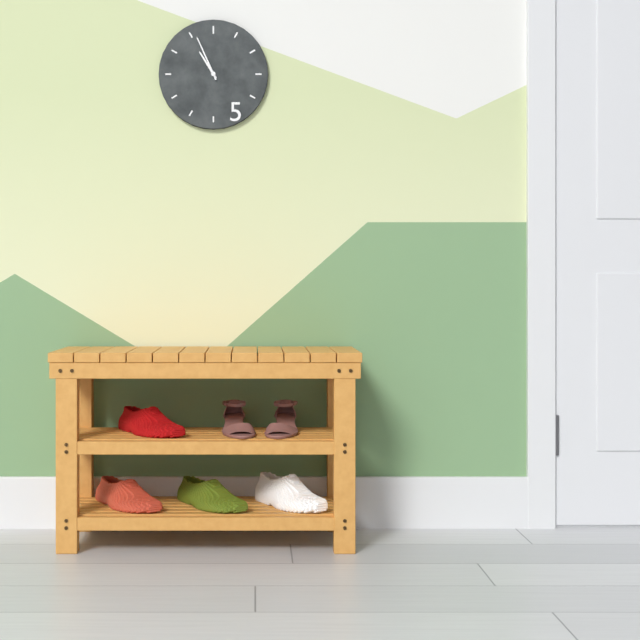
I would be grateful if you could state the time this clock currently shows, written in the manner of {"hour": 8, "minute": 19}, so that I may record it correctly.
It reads {"hour": 10, "minute": 56}
